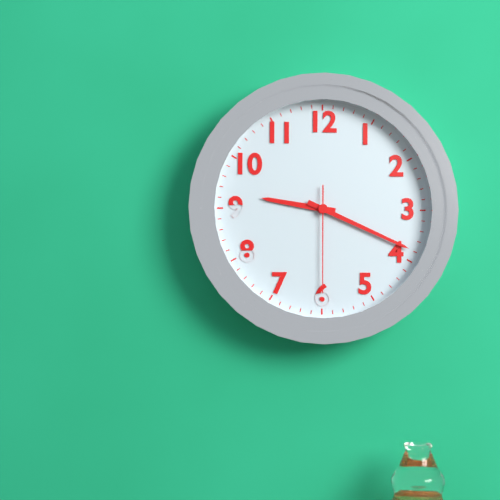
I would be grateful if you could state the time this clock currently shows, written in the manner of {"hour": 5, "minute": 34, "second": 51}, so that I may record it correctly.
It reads {"hour": 9, "minute": 19, "second": 30}
